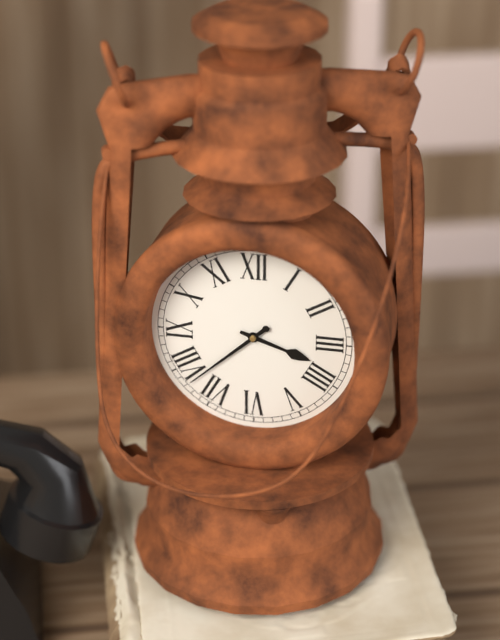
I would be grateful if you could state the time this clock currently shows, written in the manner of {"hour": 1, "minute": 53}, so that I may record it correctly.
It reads {"hour": 3, "minute": 38}
